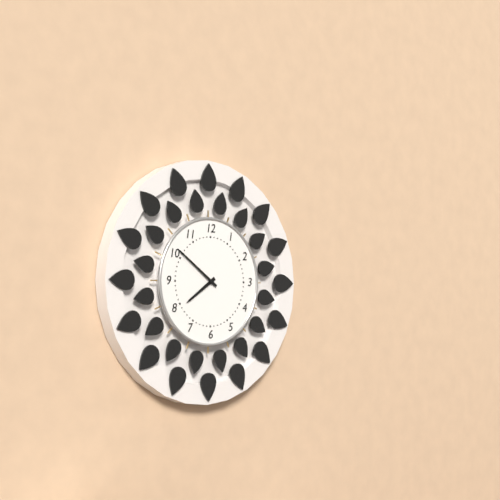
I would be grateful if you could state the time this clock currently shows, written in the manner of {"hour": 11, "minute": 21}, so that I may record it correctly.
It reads {"hour": 7, "minute": 51}
